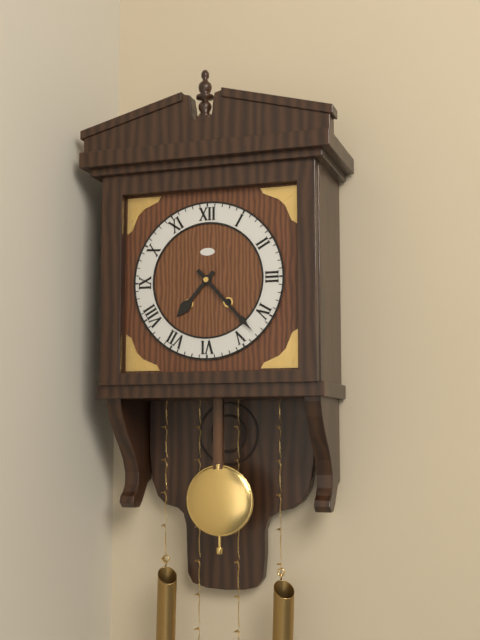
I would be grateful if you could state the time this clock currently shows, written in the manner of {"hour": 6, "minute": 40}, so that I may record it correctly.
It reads {"hour": 7, "minute": 23}
